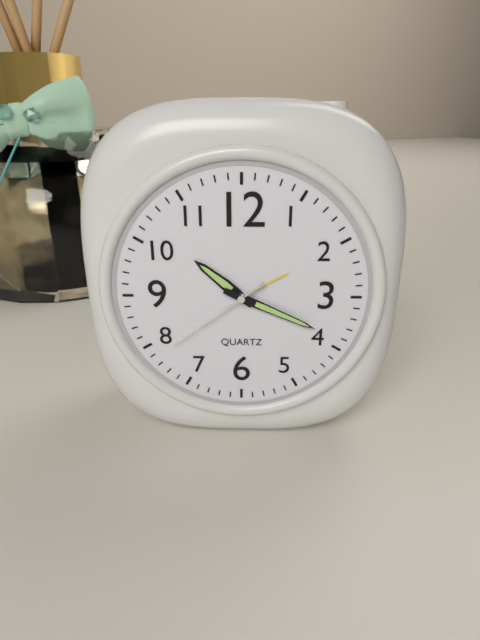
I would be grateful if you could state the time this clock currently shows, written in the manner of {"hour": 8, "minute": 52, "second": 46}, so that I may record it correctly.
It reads {"hour": 10, "minute": 19, "second": 39}
